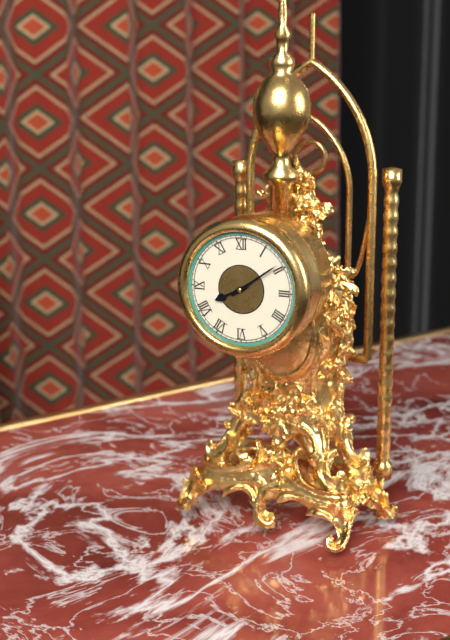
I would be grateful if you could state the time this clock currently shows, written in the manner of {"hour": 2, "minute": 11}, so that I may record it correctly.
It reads {"hour": 8, "minute": 9}
